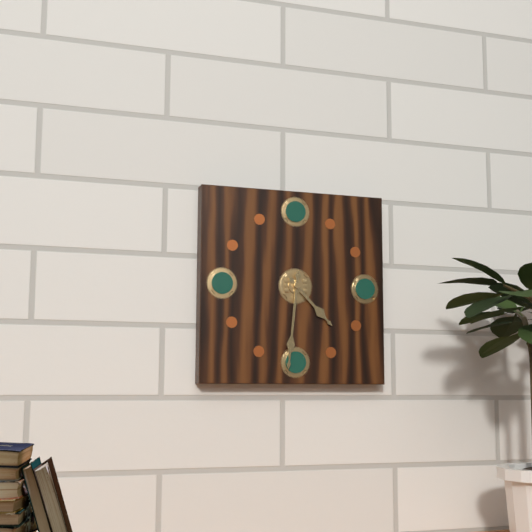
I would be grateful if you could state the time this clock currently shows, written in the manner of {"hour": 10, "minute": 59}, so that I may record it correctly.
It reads {"hour": 4, "minute": 31}
